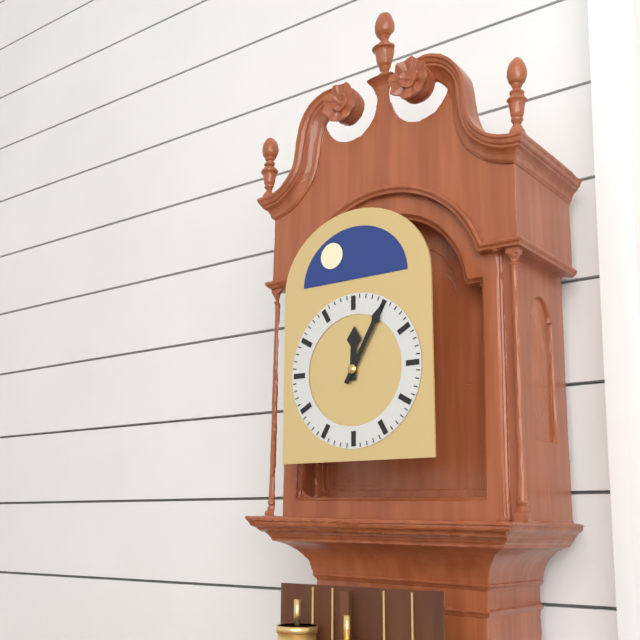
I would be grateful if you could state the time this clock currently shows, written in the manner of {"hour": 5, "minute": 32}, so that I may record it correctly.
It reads {"hour": 12, "minute": 5}
